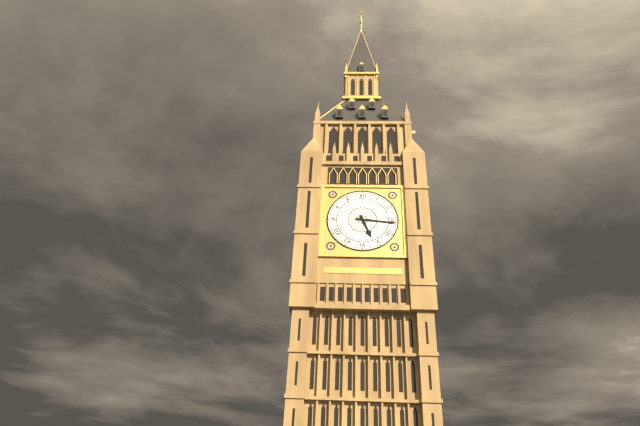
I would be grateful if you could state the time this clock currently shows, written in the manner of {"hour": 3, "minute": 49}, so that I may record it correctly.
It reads {"hour": 5, "minute": 16}
